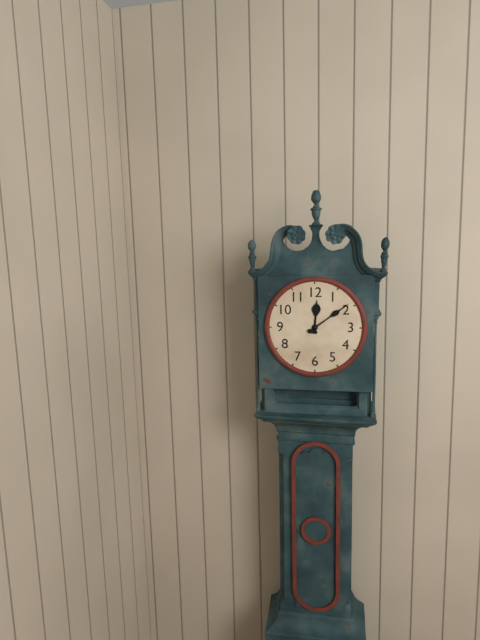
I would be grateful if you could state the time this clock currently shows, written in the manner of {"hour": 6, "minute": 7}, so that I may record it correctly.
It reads {"hour": 12, "minute": 9}
